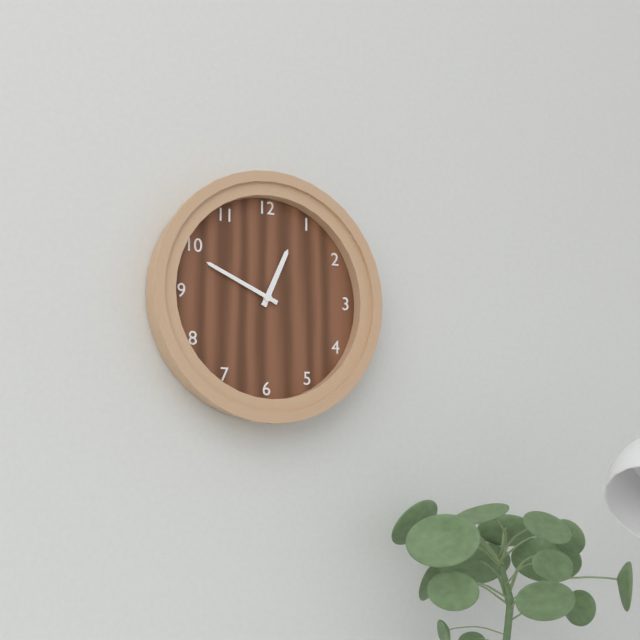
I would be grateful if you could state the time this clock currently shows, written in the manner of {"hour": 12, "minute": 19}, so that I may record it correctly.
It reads {"hour": 12, "minute": 49}
